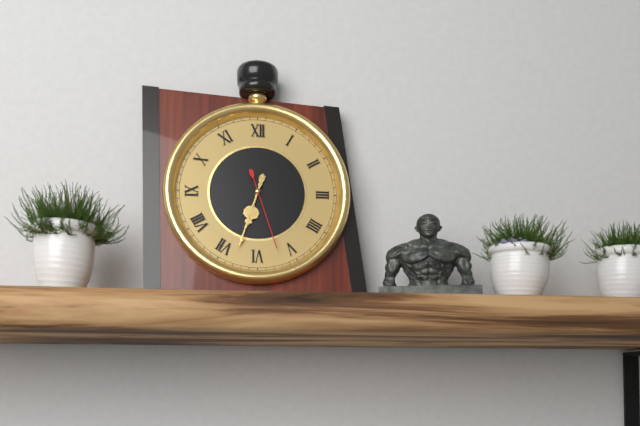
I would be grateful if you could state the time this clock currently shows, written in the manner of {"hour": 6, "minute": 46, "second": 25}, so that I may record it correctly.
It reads {"hour": 6, "minute": 33, "second": 27}
